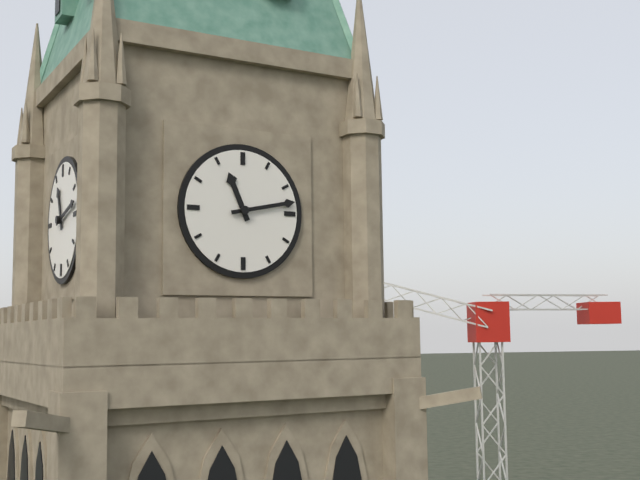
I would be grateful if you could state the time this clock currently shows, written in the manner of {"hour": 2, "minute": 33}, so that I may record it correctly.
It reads {"hour": 11, "minute": 13}
